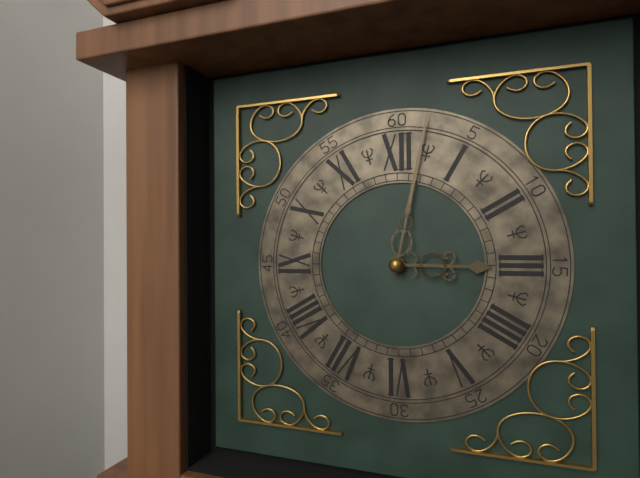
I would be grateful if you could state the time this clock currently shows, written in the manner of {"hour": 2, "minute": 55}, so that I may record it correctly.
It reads {"hour": 3, "minute": 2}
